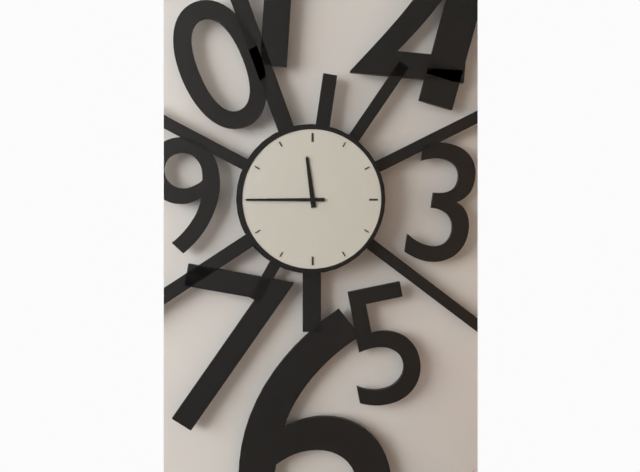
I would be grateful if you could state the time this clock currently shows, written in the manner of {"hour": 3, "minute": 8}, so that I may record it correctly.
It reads {"hour": 11, "minute": 45}
